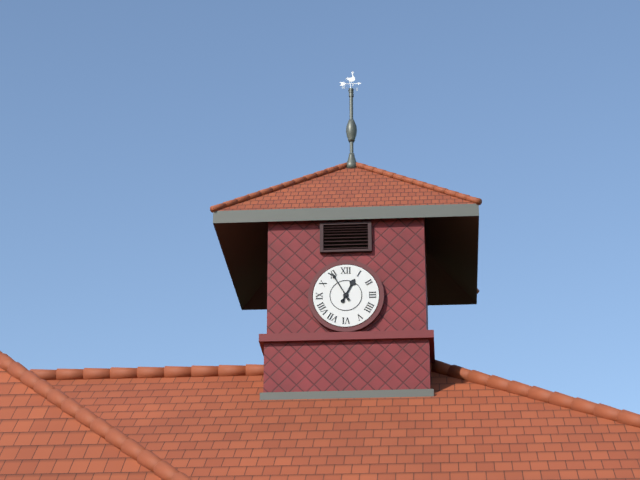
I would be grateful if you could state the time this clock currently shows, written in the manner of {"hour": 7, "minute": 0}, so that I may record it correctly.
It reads {"hour": 12, "minute": 55}
